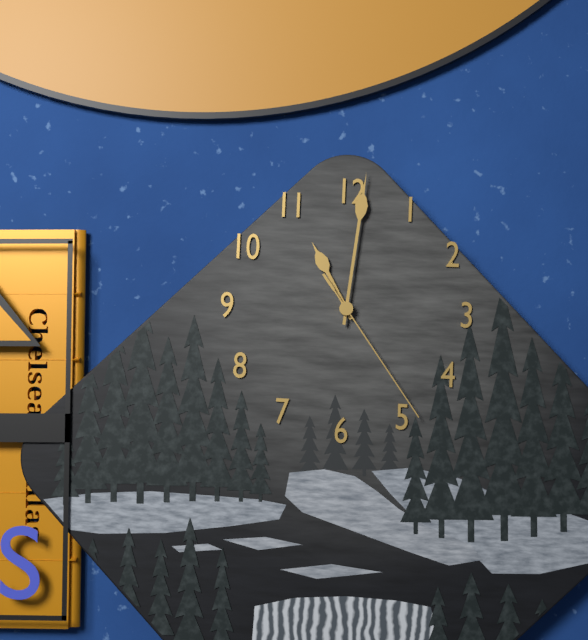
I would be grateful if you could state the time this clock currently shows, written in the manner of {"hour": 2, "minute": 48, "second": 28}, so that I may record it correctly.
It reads {"hour": 11, "minute": 1, "second": 24}
